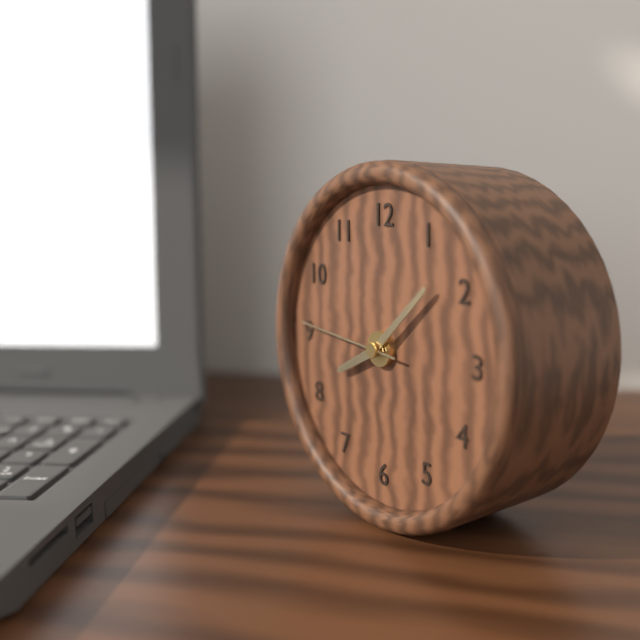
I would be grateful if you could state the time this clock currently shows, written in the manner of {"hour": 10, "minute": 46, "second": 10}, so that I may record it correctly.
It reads {"hour": 8, "minute": 8, "second": 46}
